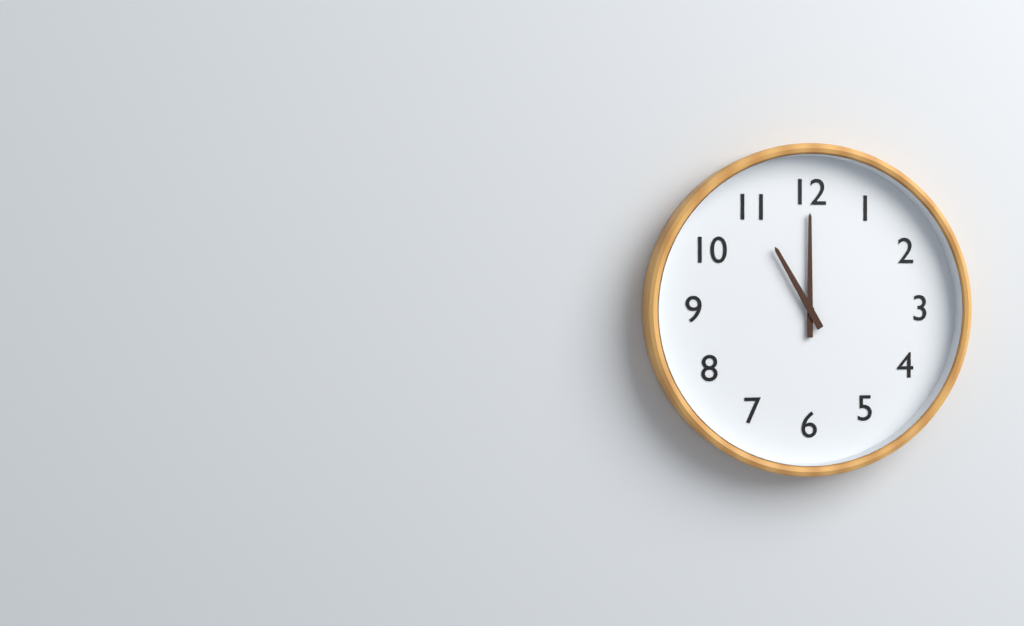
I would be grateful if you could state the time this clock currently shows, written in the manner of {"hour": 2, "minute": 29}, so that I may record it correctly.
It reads {"hour": 11, "minute": 0}
